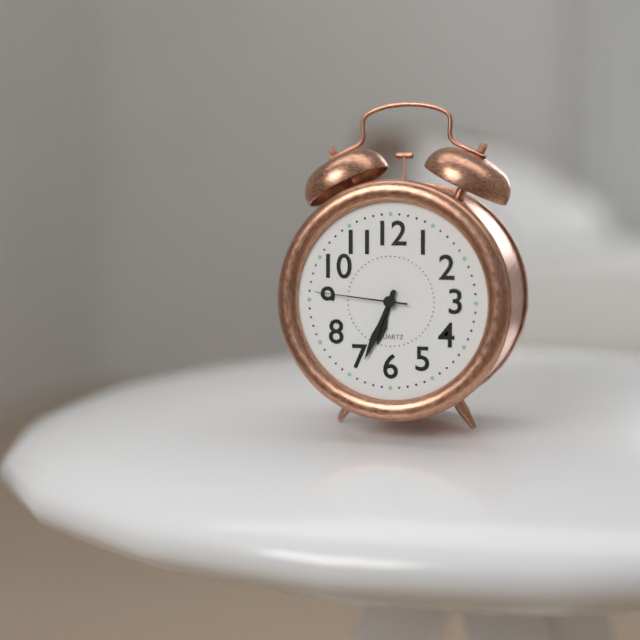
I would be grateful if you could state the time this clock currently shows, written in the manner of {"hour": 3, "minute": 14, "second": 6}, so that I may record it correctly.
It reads {"hour": 6, "minute": 34, "second": 46}
